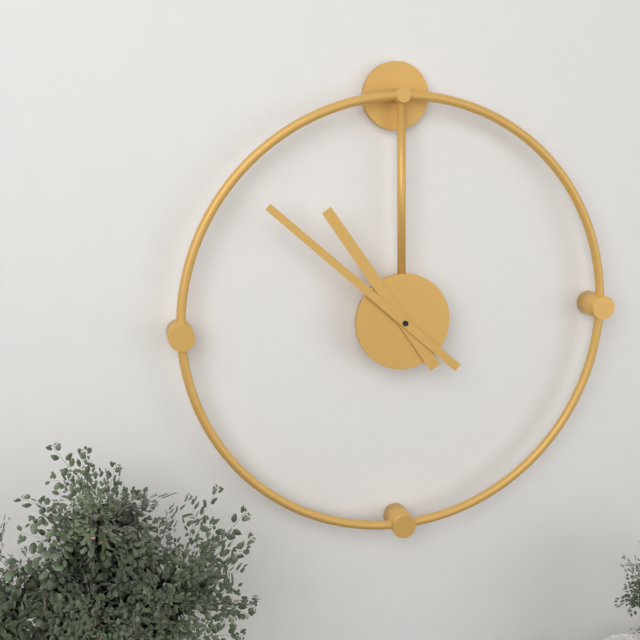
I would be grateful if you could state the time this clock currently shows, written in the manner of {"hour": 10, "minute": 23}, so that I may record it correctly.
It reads {"hour": 10, "minute": 52}
